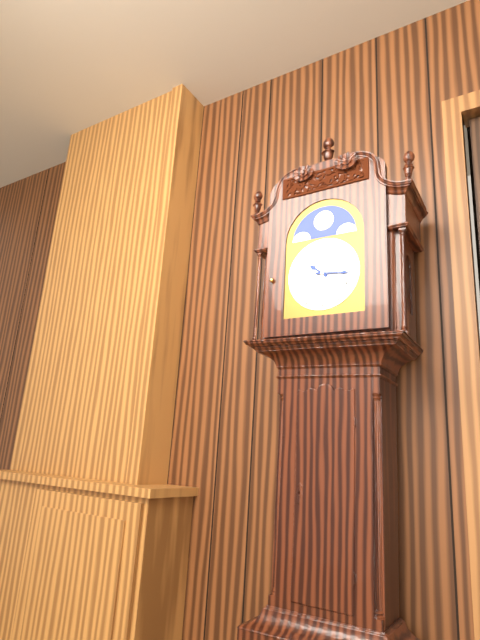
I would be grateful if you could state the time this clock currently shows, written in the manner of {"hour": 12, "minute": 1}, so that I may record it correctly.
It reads {"hour": 10, "minute": 16}
